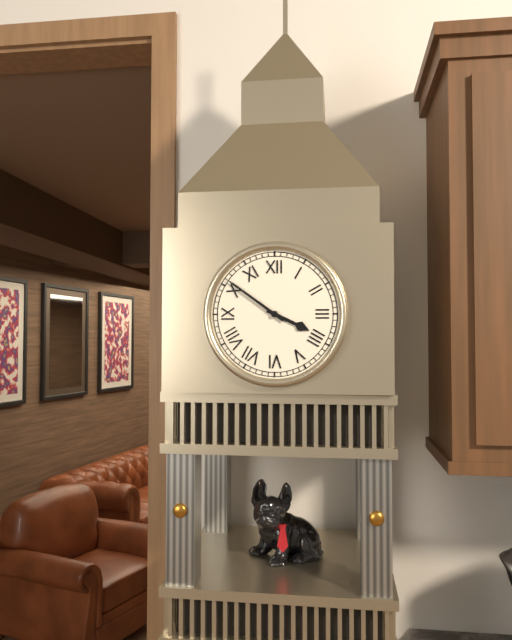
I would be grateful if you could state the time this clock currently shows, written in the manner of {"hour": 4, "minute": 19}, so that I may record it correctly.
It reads {"hour": 3, "minute": 51}
